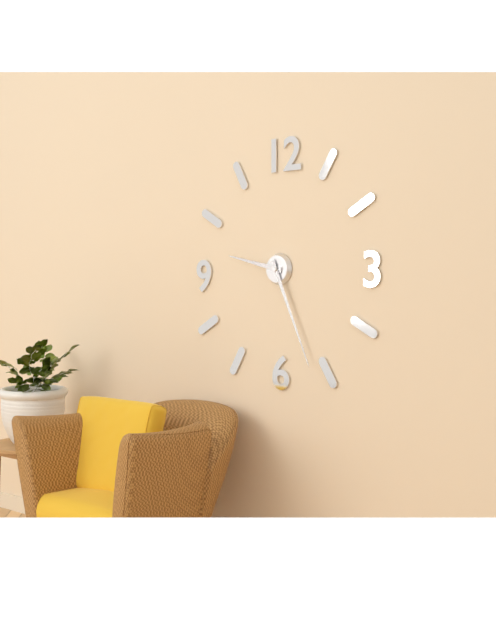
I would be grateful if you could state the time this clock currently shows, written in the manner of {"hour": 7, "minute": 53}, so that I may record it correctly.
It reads {"hour": 9, "minute": 26}
